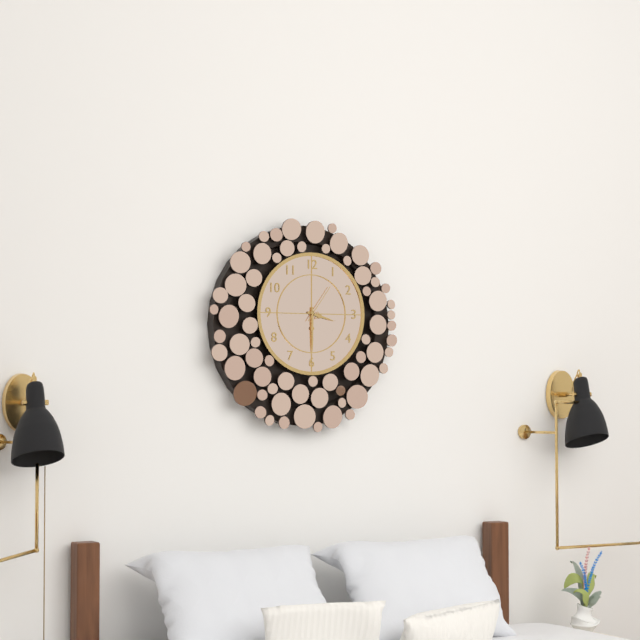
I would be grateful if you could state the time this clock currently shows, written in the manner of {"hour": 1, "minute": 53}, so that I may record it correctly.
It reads {"hour": 3, "minute": 30}
